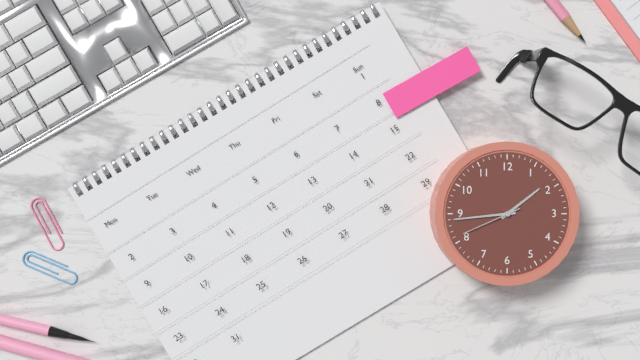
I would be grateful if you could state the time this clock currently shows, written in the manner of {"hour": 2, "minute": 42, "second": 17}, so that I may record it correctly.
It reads {"hour": 1, "minute": 44, "second": 41}
